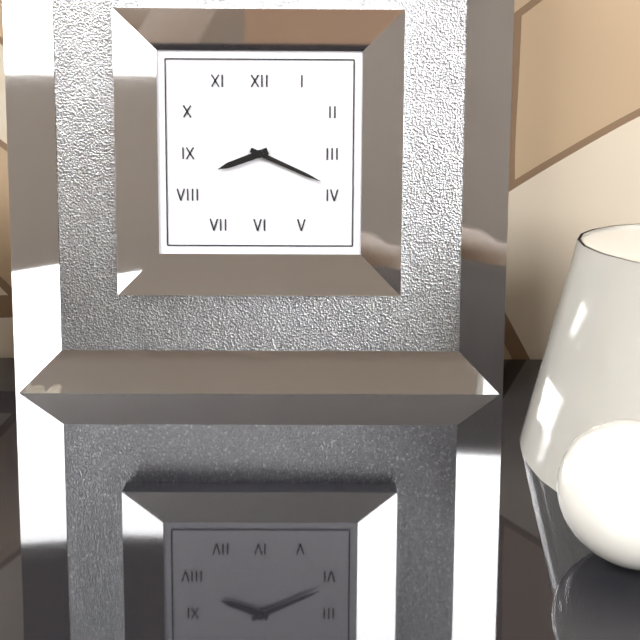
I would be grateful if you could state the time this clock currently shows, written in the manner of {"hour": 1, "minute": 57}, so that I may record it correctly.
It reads {"hour": 8, "minute": 19}
